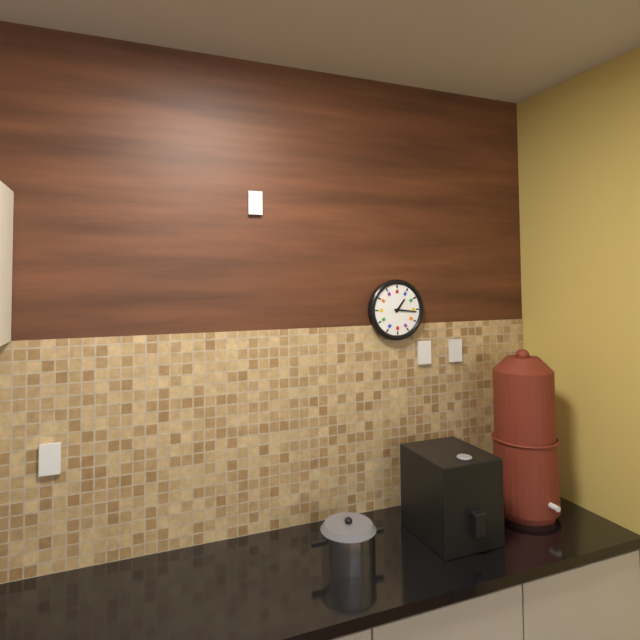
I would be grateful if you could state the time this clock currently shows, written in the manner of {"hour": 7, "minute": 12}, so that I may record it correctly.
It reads {"hour": 1, "minute": 16}
